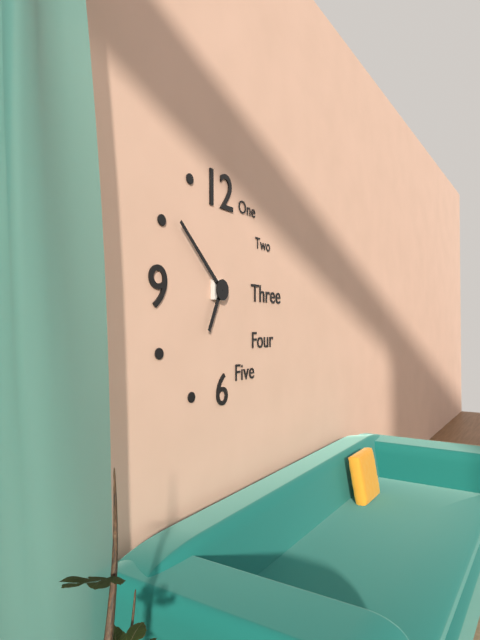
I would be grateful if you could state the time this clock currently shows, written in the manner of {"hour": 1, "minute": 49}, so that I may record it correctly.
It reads {"hour": 6, "minute": 52}
